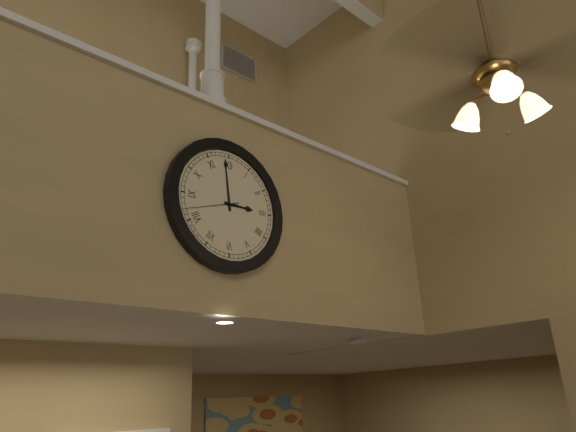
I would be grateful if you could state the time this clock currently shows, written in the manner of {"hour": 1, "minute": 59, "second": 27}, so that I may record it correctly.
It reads {"hour": 2, "minute": 59, "second": 42}
